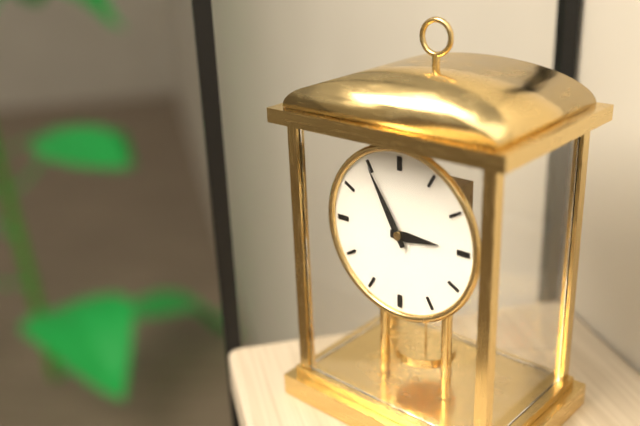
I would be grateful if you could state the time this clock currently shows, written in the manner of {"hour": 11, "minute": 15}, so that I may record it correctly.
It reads {"hour": 2, "minute": 55}
